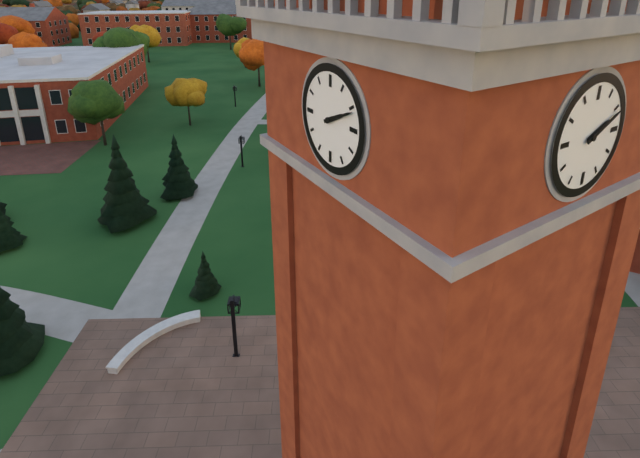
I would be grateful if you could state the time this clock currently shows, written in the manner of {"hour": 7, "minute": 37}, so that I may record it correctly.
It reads {"hour": 2, "minute": 11}
